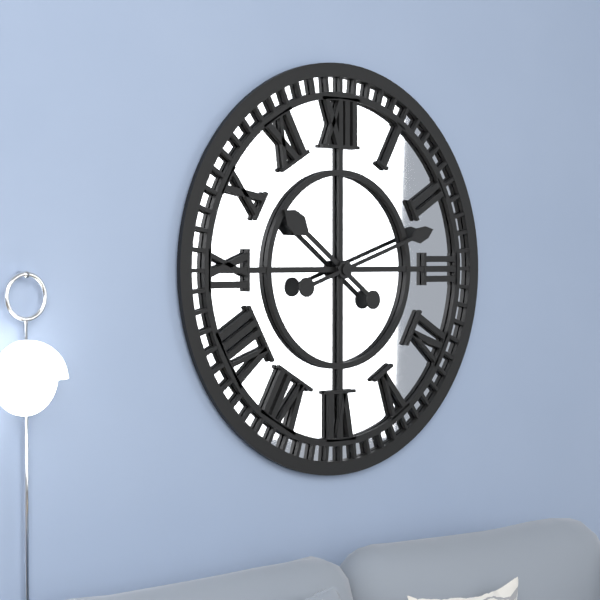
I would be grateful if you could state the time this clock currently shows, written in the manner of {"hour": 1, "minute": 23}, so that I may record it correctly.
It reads {"hour": 10, "minute": 12}
